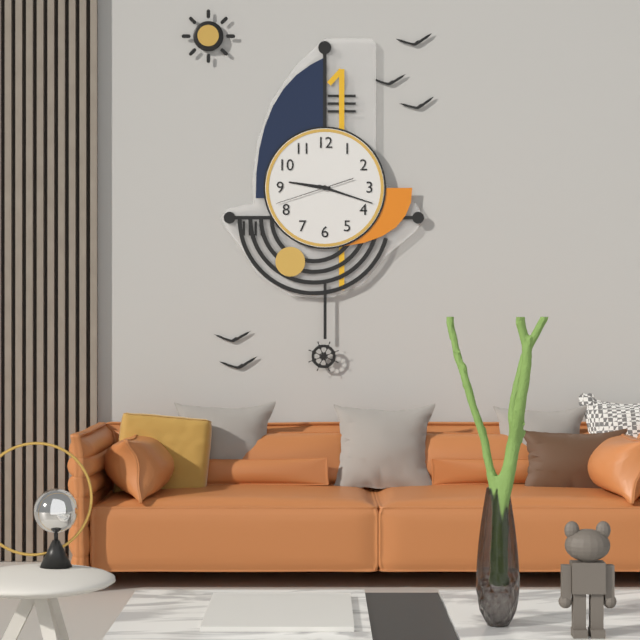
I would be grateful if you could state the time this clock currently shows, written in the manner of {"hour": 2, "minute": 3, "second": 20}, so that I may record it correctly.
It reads {"hour": 9, "minute": 18, "second": 42}
